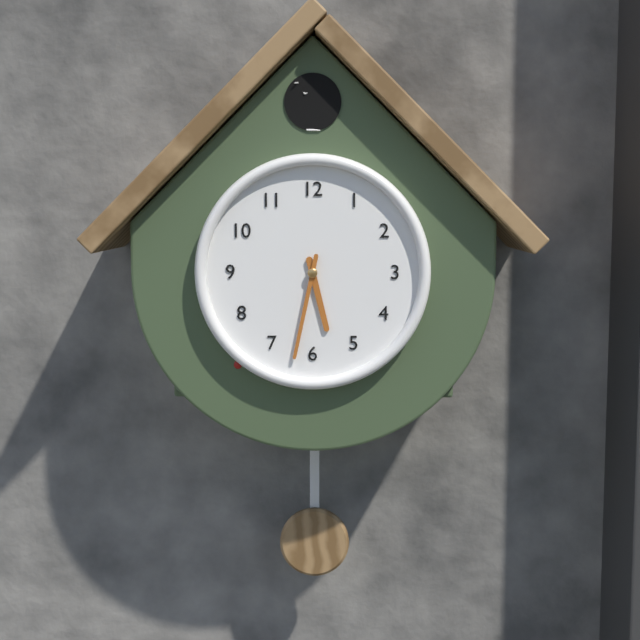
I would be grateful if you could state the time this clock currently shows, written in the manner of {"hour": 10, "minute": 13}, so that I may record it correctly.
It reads {"hour": 5, "minute": 32}
